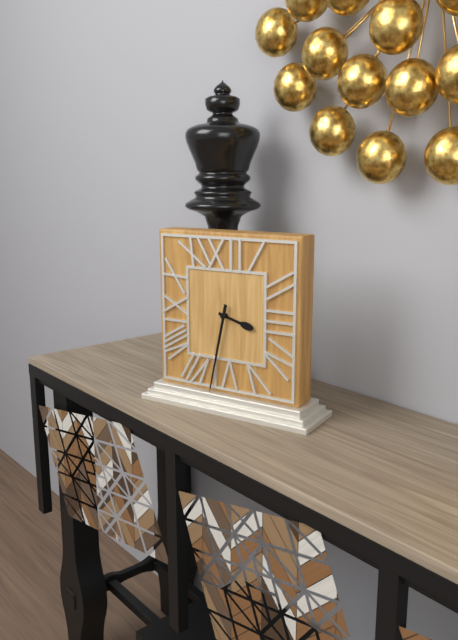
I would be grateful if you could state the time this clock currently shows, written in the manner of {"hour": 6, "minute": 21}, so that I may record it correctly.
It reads {"hour": 3, "minute": 32}
